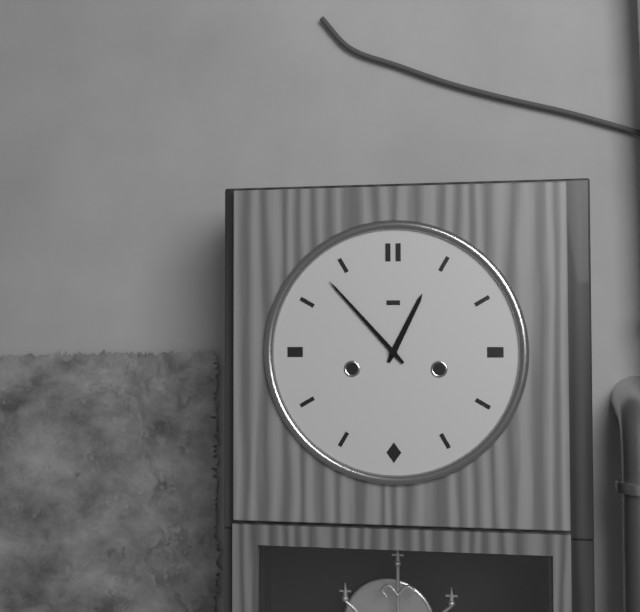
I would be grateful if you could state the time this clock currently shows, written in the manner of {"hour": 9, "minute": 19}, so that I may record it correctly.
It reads {"hour": 12, "minute": 53}
